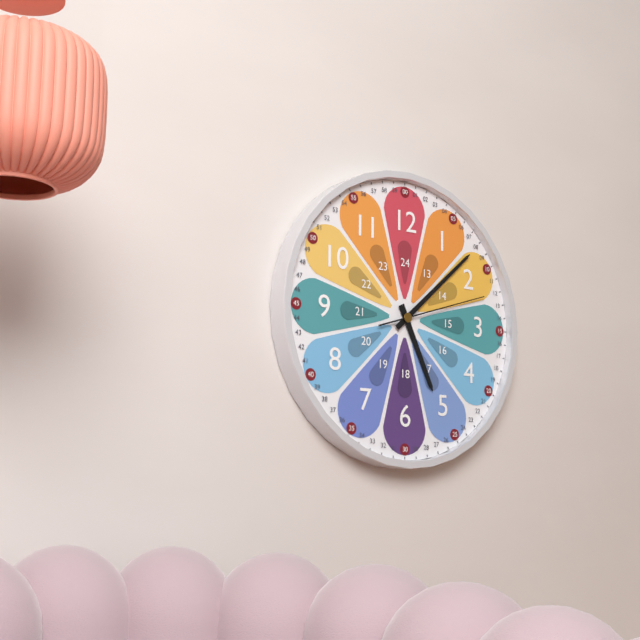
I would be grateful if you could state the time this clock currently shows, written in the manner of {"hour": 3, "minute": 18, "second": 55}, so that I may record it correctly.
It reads {"hour": 5, "minute": 8, "second": 12}
